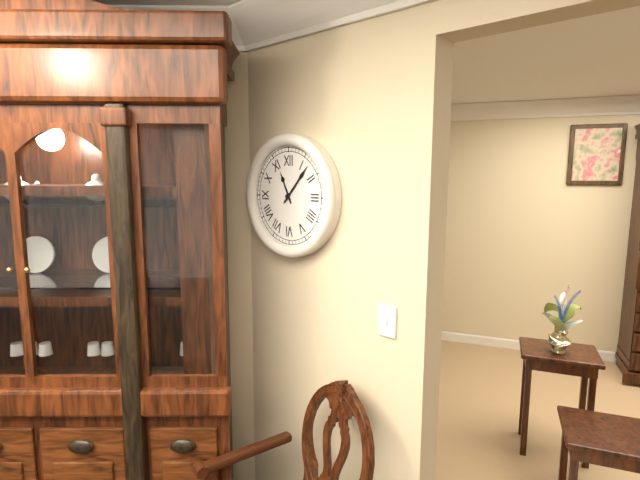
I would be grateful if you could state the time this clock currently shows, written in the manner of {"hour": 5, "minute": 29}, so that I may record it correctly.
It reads {"hour": 11, "minute": 7}
